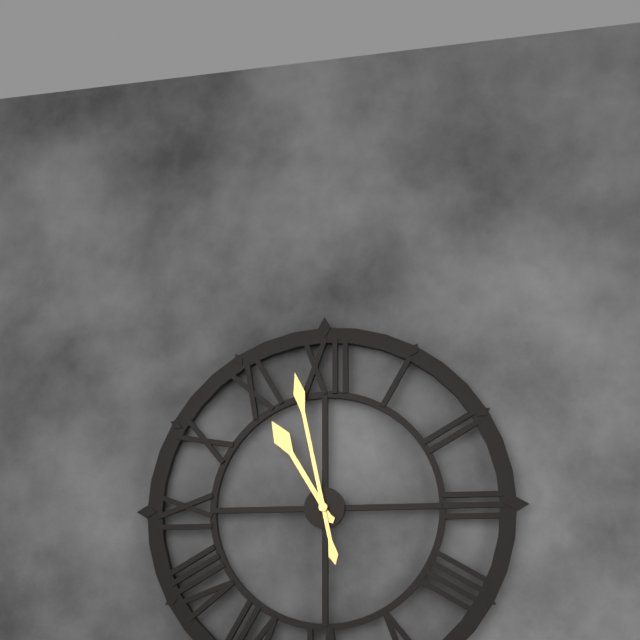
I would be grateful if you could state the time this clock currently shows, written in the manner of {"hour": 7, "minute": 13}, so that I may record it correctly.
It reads {"hour": 10, "minute": 58}
